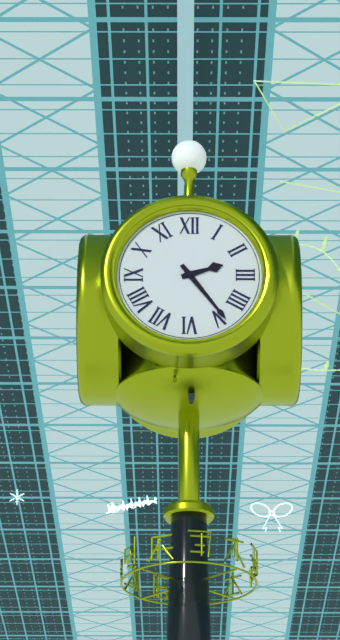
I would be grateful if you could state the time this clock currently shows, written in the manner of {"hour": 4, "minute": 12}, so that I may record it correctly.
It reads {"hour": 2, "minute": 24}
